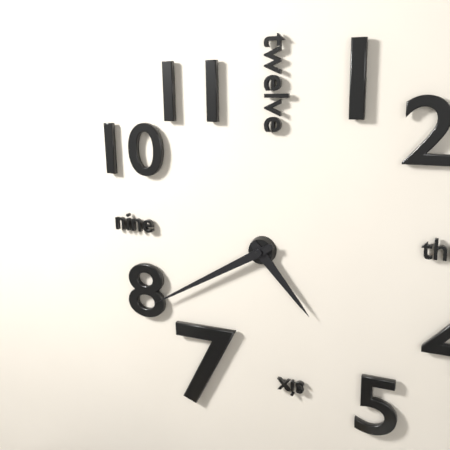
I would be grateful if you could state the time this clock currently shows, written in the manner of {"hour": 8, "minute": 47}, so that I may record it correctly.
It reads {"hour": 4, "minute": 40}
